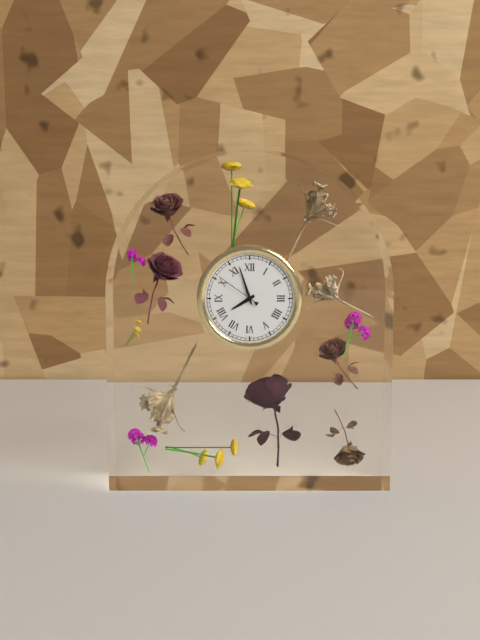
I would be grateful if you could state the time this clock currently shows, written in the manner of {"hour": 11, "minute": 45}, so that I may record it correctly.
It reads {"hour": 7, "minute": 57}
